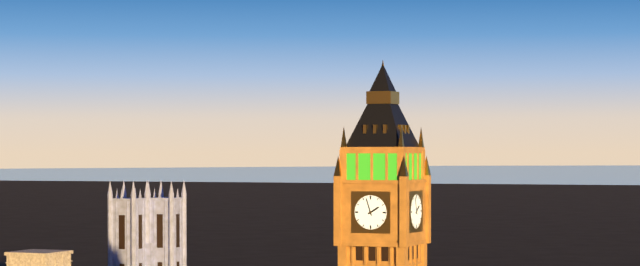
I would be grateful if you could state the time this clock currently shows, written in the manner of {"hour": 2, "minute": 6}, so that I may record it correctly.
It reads {"hour": 1, "minute": 57}
